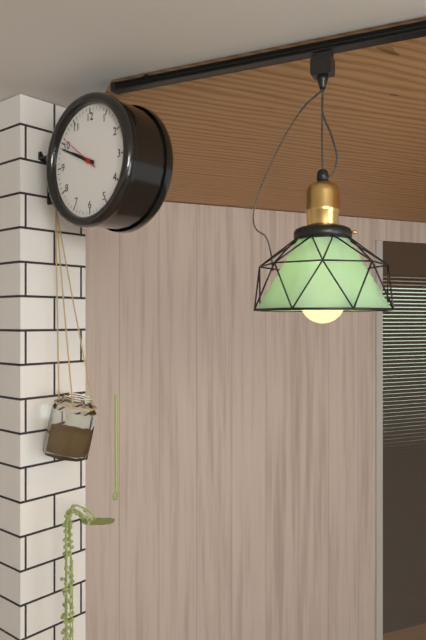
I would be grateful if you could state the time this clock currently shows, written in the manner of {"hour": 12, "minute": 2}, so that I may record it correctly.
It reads {"hour": 9, "minute": 49}
